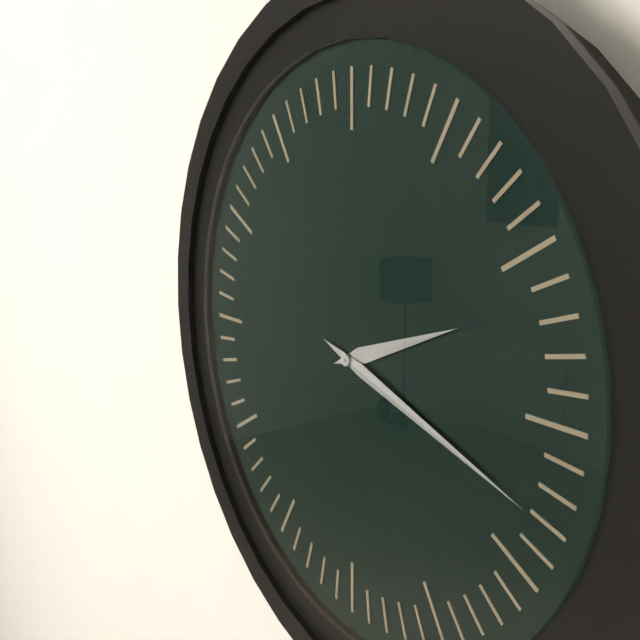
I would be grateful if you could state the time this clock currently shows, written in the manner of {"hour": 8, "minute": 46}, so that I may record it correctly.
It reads {"hour": 2, "minute": 18}
